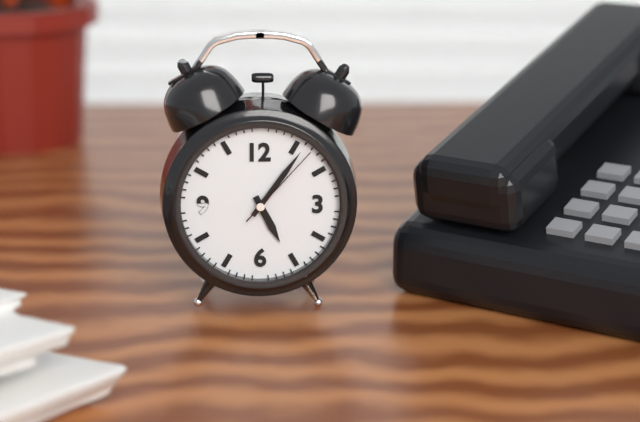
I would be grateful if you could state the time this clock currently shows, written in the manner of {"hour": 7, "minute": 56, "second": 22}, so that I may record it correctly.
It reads {"hour": 5, "minute": 6, "second": 7}
